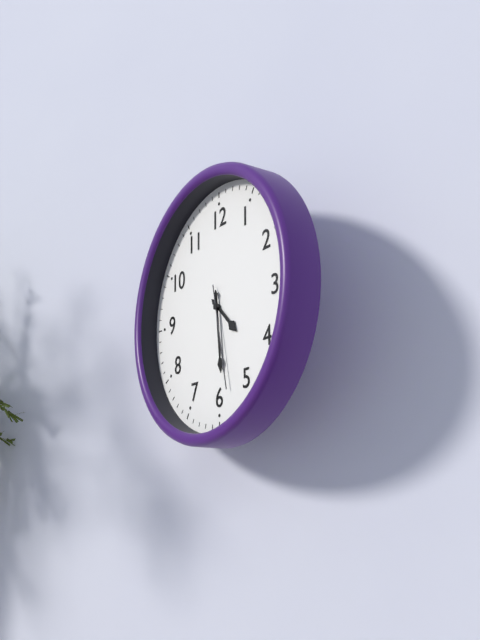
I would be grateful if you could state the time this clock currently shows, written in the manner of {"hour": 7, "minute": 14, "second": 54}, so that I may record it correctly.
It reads {"hour": 4, "minute": 29, "second": 28}
